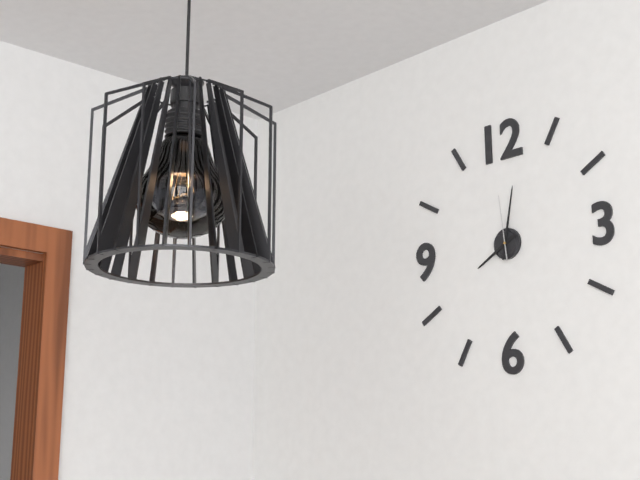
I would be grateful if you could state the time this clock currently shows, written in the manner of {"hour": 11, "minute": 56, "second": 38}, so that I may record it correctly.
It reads {"hour": 8, "minute": 2, "second": 59}
